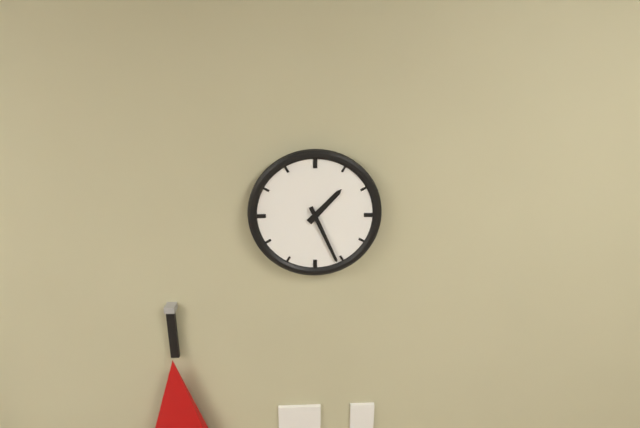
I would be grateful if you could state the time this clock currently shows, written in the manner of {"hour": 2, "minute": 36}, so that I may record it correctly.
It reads {"hour": 1, "minute": 26}
